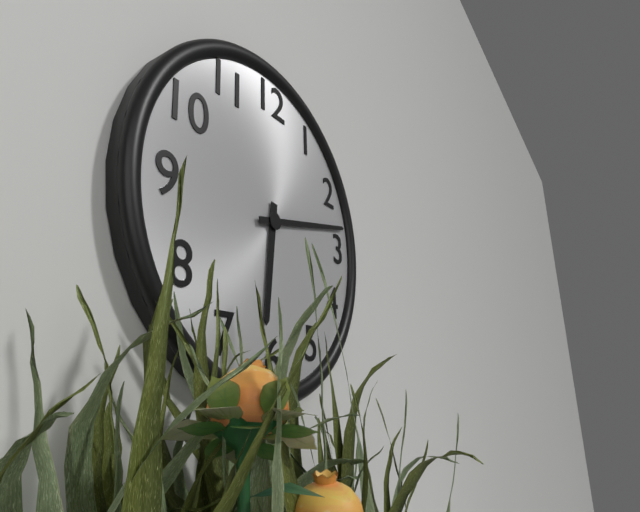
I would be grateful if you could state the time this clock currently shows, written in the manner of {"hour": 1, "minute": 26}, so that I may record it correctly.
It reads {"hour": 6, "minute": 13}
